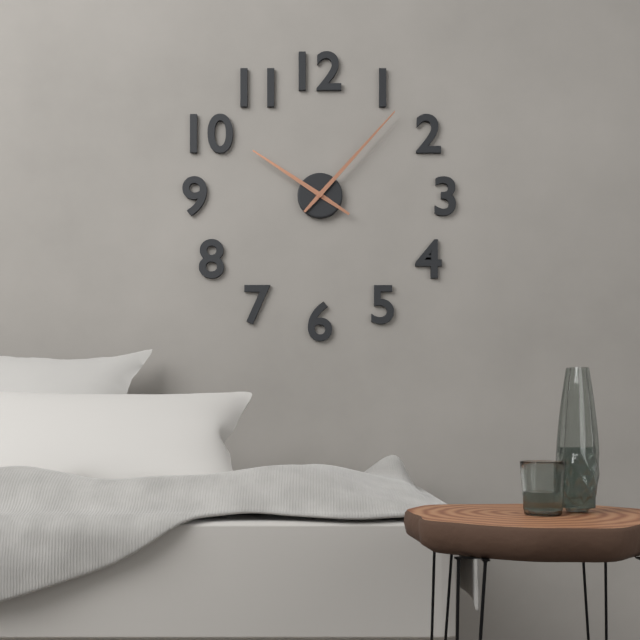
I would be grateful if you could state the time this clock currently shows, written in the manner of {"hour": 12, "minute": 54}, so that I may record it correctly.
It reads {"hour": 10, "minute": 7}
